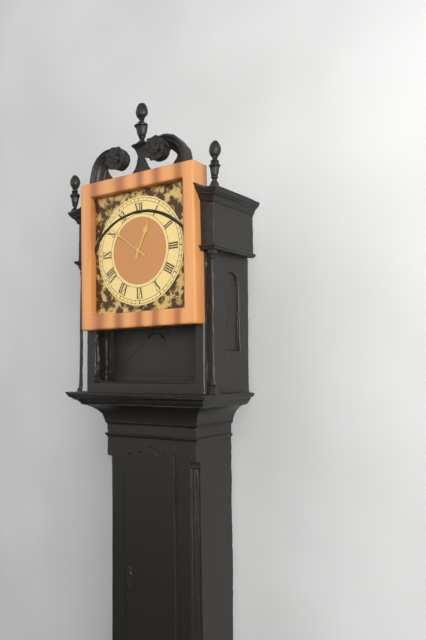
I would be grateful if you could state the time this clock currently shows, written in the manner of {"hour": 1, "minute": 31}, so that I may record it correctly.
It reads {"hour": 12, "minute": 51}
